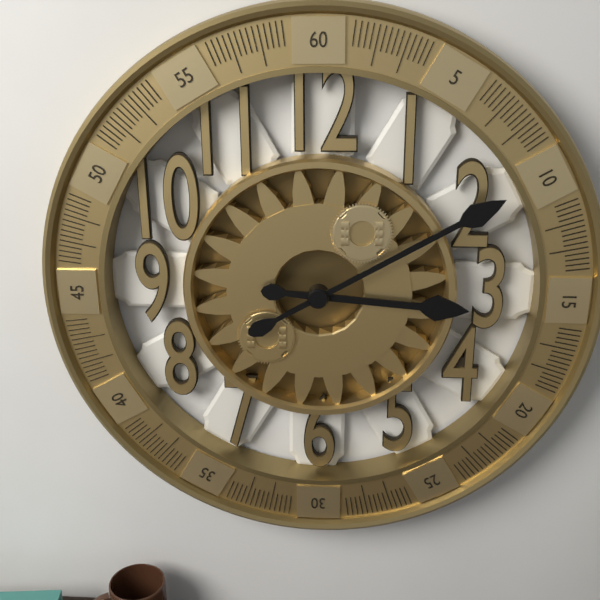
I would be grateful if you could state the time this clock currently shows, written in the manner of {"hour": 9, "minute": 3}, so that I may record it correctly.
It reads {"hour": 3, "minute": 10}
